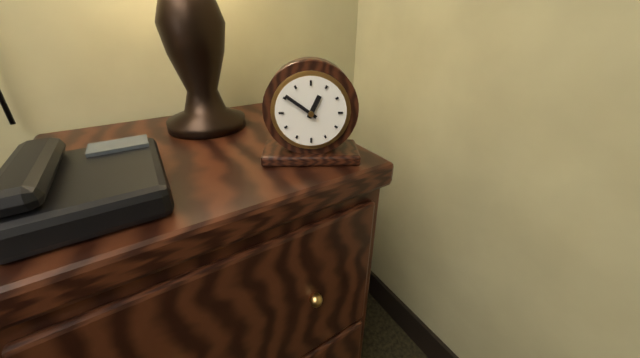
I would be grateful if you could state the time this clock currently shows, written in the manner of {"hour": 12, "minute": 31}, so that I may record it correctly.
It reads {"hour": 12, "minute": 51}
